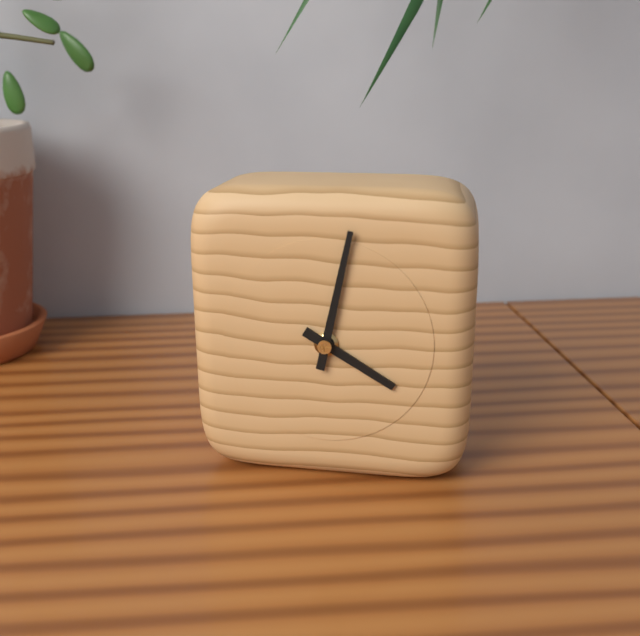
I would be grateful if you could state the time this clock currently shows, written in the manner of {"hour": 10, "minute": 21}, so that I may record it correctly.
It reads {"hour": 4, "minute": 2}
